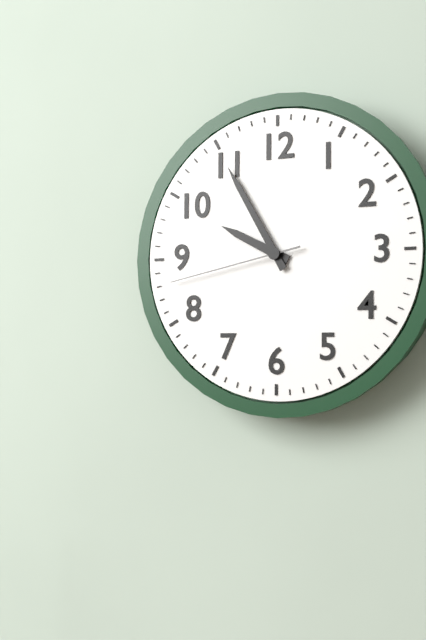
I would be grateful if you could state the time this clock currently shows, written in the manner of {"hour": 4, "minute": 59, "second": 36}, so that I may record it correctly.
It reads {"hour": 9, "minute": 55, "second": 43}
